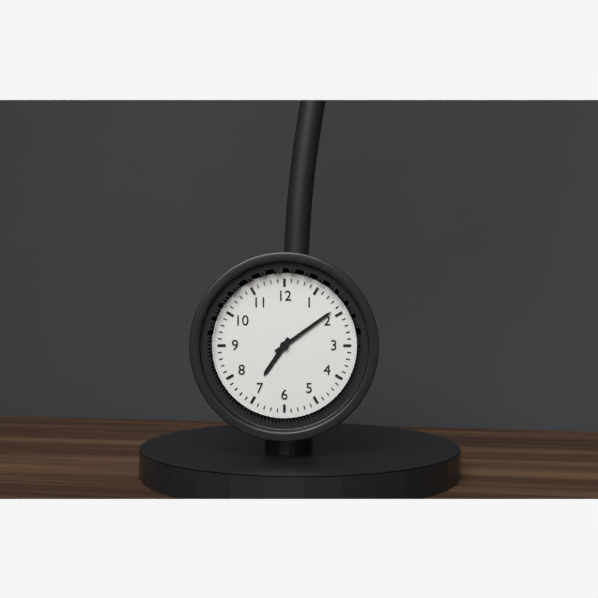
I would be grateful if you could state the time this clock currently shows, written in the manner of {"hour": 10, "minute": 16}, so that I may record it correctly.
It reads {"hour": 7, "minute": 9}
